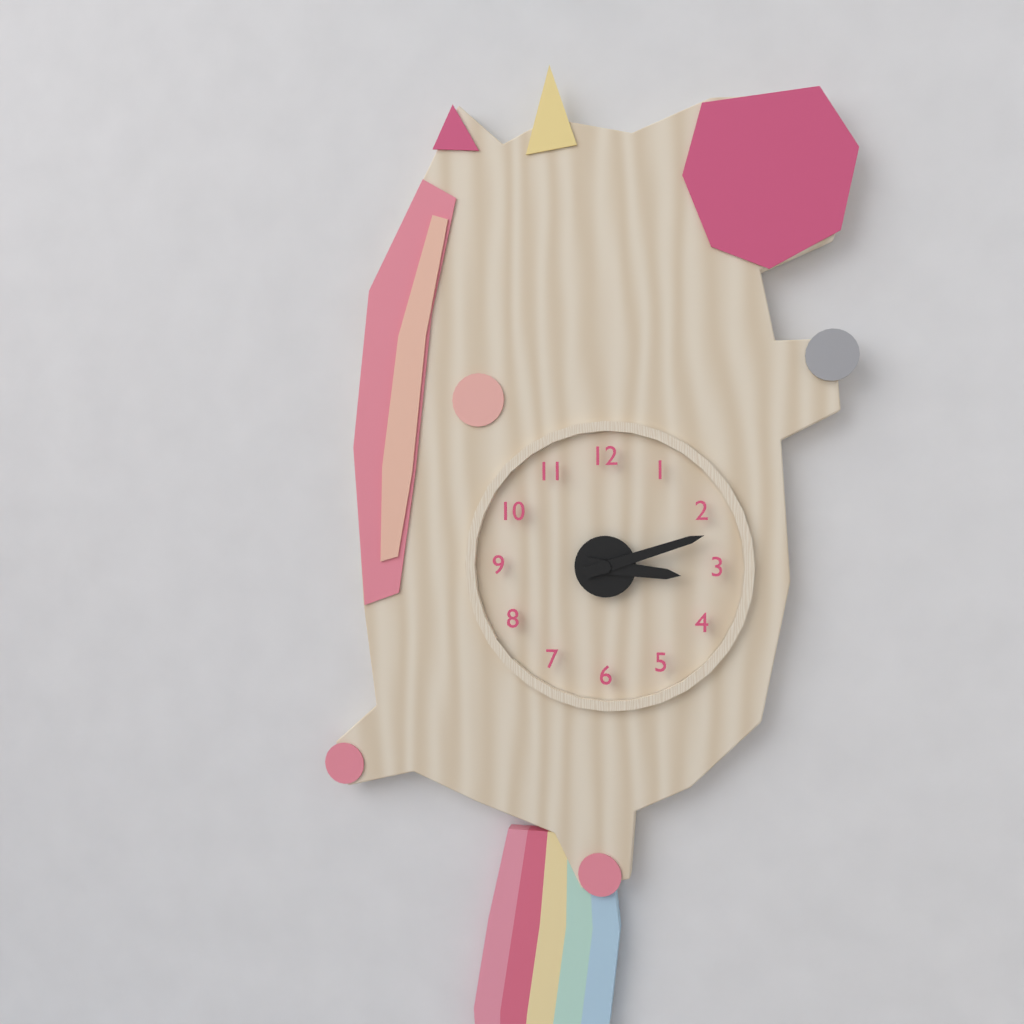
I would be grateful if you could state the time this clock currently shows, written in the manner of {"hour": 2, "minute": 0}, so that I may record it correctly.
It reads {"hour": 3, "minute": 12}
